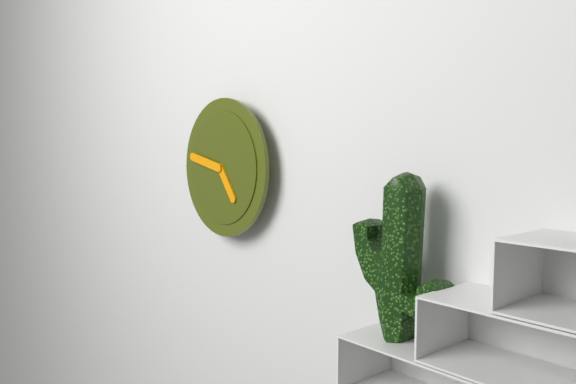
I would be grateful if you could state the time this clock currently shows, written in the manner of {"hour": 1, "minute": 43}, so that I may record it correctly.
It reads {"hour": 4, "minute": 47}
